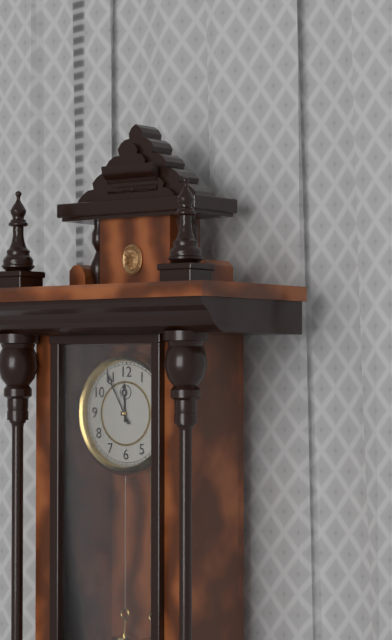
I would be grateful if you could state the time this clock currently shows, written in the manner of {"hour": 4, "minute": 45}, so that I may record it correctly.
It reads {"hour": 11, "minute": 55}
